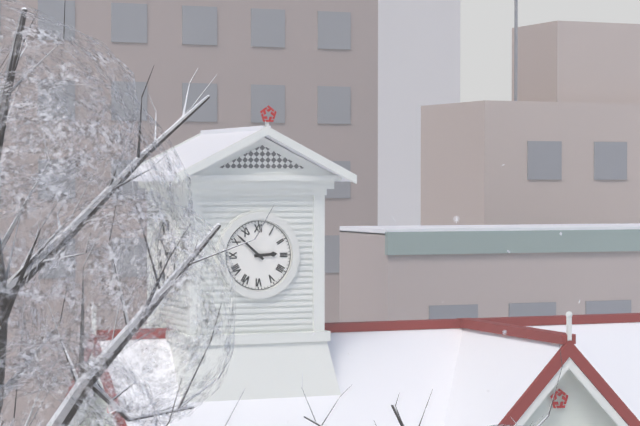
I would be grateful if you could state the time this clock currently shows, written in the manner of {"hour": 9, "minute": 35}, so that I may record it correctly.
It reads {"hour": 2, "minute": 52}
